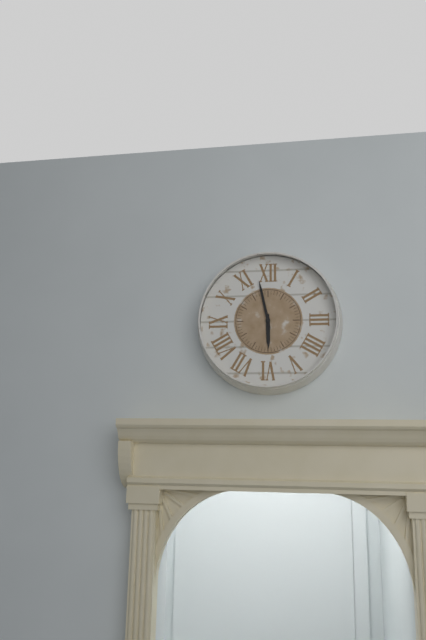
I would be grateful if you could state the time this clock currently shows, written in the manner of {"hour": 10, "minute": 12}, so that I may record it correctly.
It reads {"hour": 5, "minute": 58}
